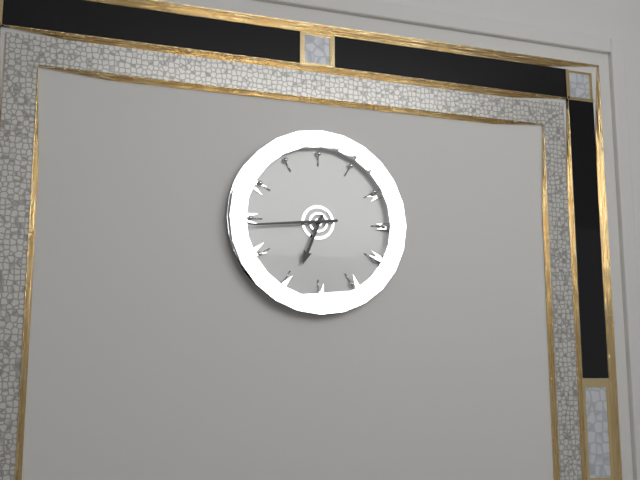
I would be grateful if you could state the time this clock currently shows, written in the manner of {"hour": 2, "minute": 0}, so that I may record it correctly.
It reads {"hour": 6, "minute": 44}
